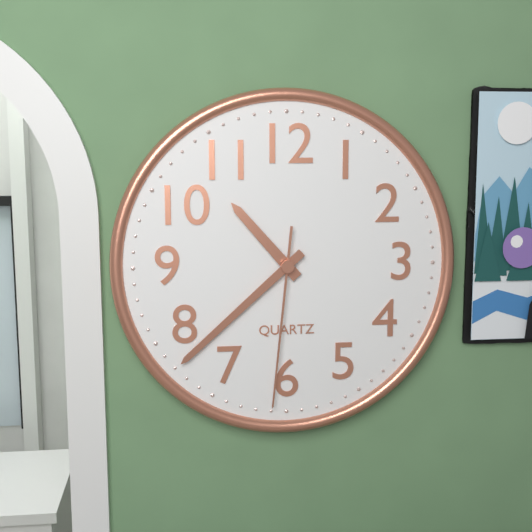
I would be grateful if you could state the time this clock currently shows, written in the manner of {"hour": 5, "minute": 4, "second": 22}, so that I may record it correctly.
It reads {"hour": 10, "minute": 38, "second": 31}
